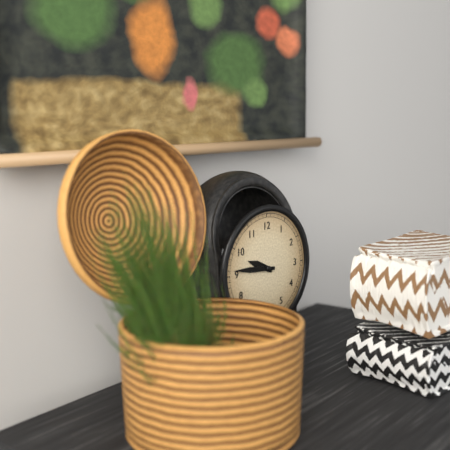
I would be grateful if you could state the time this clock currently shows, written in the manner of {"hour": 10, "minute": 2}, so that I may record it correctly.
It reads {"hour": 9, "minute": 46}
